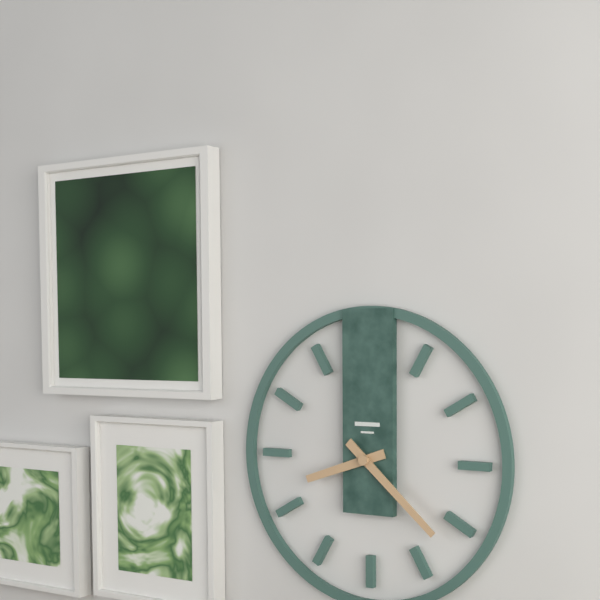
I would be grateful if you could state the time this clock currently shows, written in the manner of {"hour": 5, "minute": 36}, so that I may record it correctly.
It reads {"hour": 8, "minute": 22}
